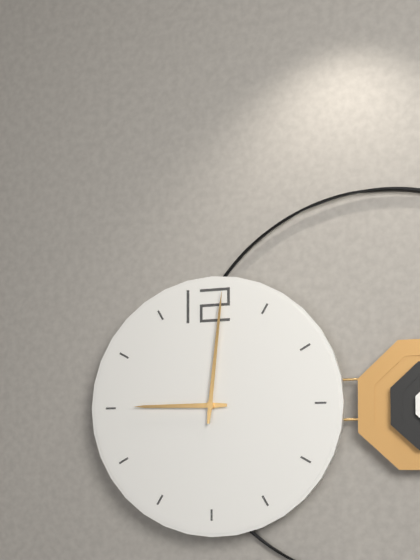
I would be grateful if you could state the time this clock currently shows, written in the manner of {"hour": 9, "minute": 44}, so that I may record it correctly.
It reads {"hour": 9, "minute": 1}
